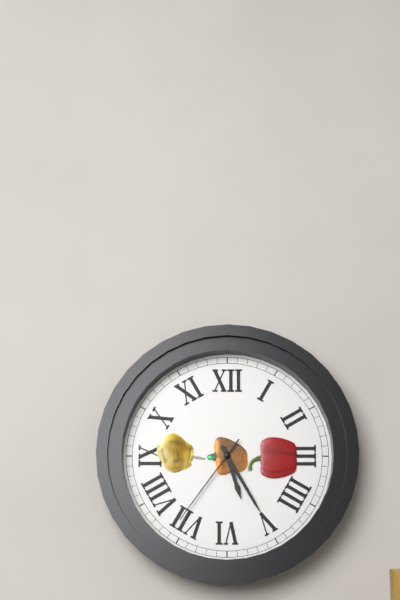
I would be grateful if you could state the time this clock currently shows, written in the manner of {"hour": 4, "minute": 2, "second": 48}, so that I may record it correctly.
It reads {"hour": 5, "minute": 25, "second": 36}
